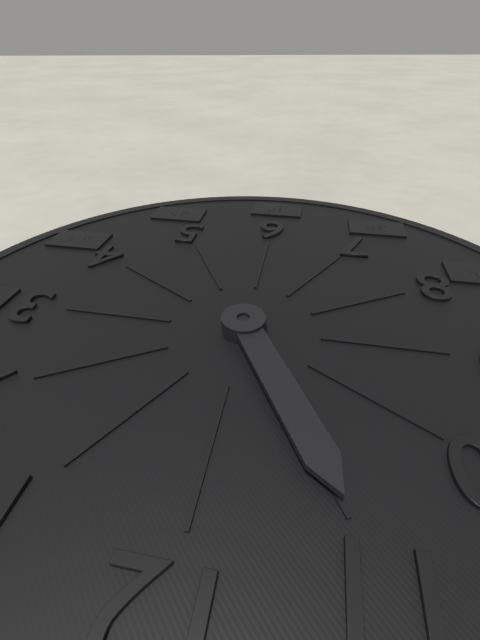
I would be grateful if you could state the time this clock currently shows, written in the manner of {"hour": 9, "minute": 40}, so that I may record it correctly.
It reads {"hour": 10, "minute": 55}
